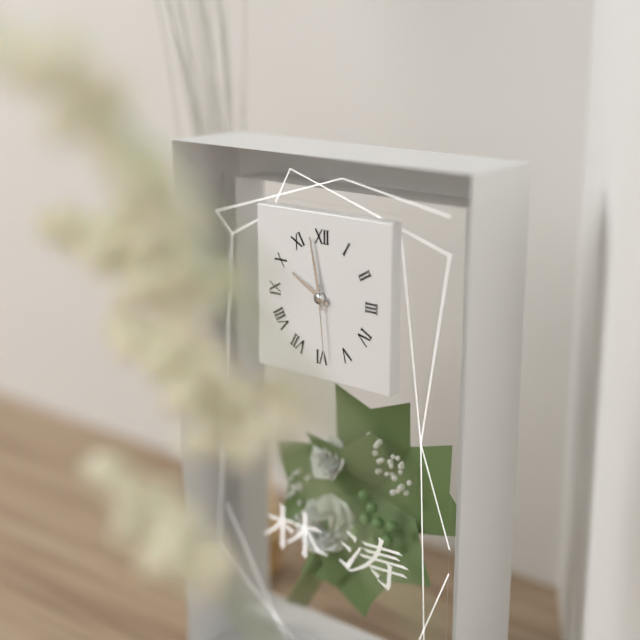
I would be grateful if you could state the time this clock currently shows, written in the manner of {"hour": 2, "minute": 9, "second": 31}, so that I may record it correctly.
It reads {"hour": 9, "minute": 58, "second": 29}
